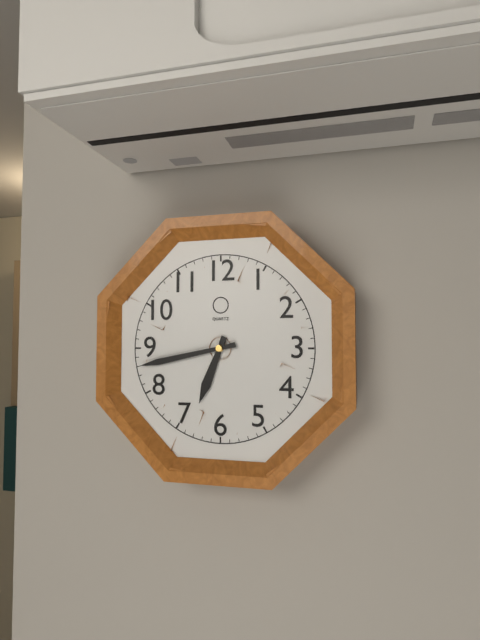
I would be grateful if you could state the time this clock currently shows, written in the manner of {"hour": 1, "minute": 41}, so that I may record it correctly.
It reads {"hour": 6, "minute": 43}
